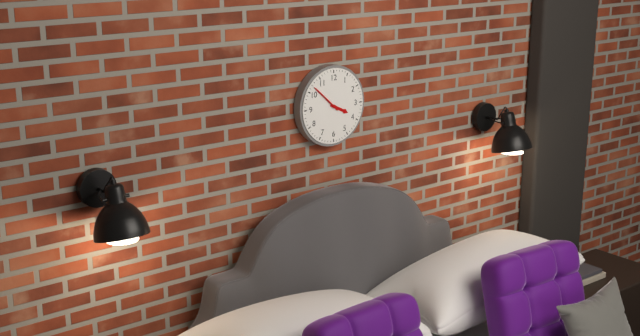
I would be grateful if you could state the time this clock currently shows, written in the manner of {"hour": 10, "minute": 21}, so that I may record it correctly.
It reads {"hour": 3, "minute": 52}
